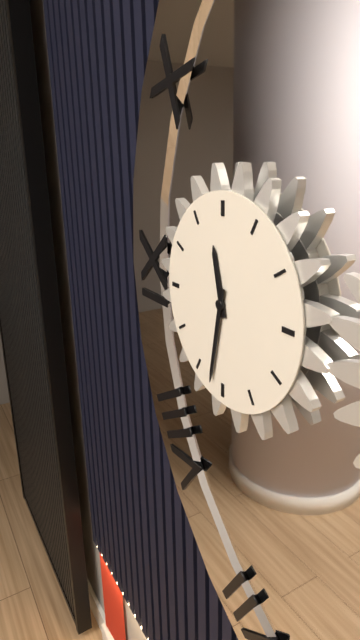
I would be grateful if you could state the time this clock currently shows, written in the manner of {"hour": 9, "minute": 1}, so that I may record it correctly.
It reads {"hour": 11, "minute": 32}
